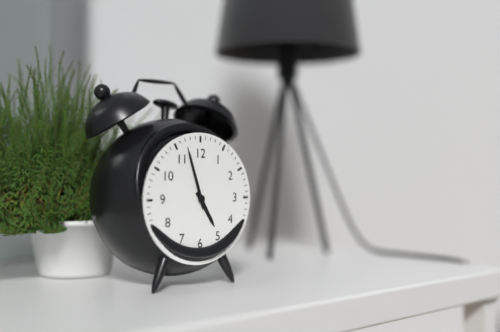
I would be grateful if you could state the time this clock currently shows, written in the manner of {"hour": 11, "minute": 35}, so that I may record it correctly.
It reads {"hour": 4, "minute": 57}
